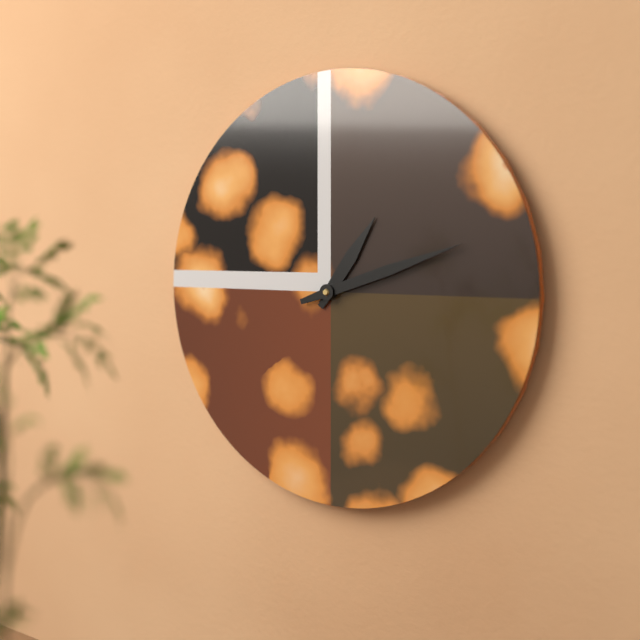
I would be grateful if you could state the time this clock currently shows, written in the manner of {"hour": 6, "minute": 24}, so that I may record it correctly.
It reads {"hour": 1, "minute": 12}
